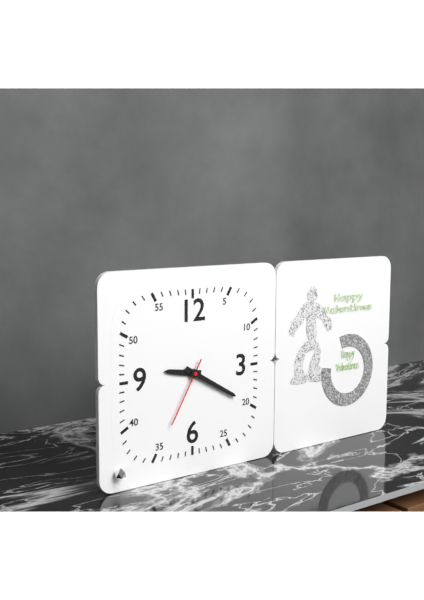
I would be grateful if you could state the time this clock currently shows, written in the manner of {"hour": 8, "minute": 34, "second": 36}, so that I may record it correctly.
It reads {"hour": 9, "minute": 20, "second": 35}
